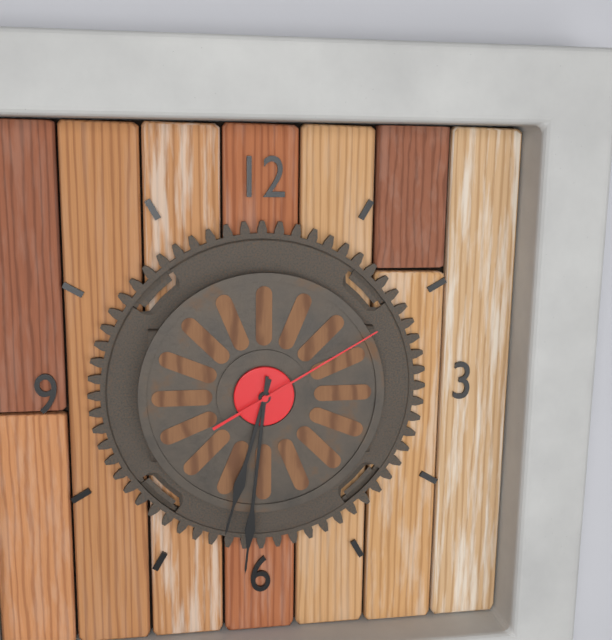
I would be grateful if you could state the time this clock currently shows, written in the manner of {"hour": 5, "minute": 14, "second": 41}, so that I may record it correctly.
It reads {"hour": 6, "minute": 31, "second": 10}
